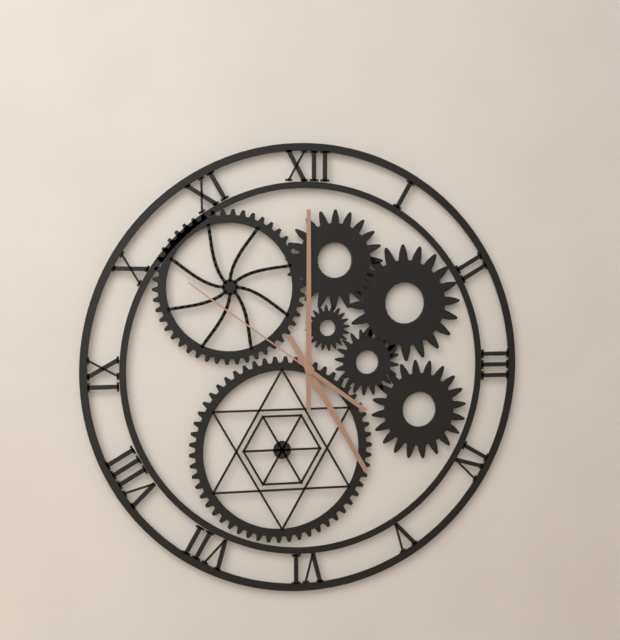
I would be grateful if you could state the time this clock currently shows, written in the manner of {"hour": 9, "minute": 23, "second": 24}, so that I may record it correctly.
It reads {"hour": 5, "minute": 0, "second": 51}
